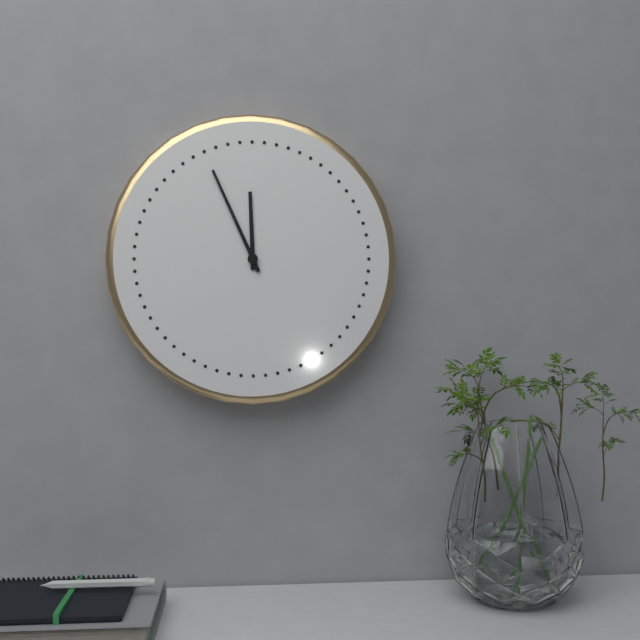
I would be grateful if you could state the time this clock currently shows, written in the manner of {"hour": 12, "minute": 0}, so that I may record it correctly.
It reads {"hour": 11, "minute": 56}
